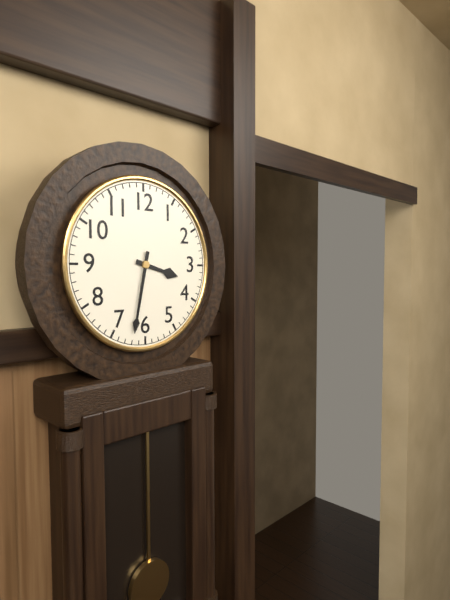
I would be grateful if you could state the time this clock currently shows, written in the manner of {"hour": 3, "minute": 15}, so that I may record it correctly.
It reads {"hour": 3, "minute": 32}
